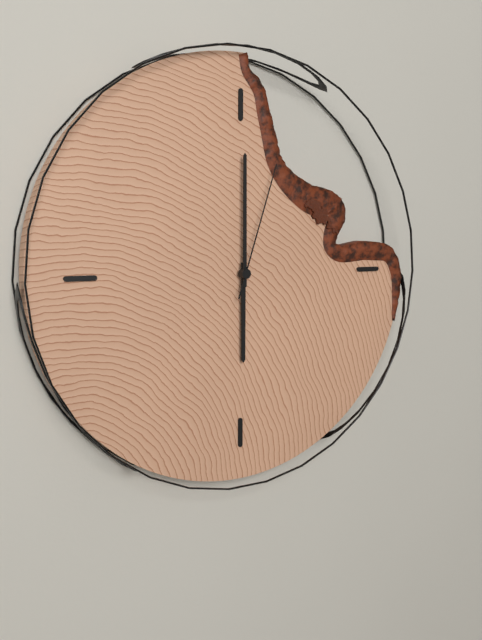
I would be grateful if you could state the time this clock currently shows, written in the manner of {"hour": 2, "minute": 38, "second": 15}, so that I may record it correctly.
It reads {"hour": 6, "minute": 0, "second": 3}
